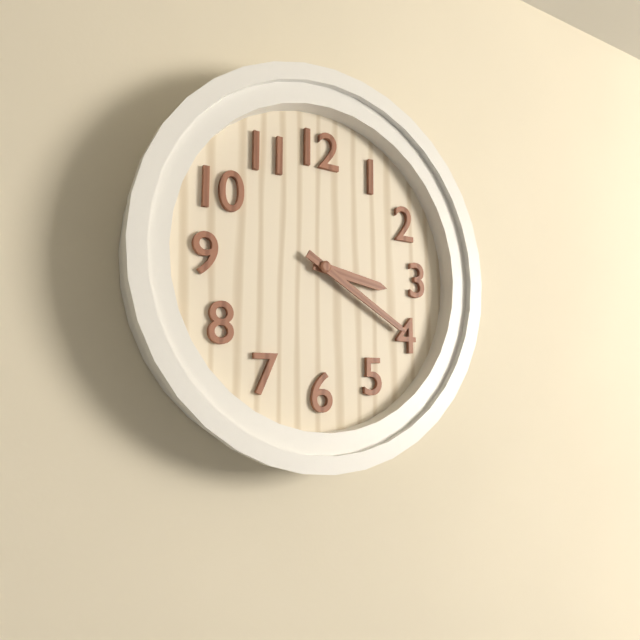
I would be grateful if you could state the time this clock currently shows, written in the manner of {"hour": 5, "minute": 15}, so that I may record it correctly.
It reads {"hour": 3, "minute": 20}
